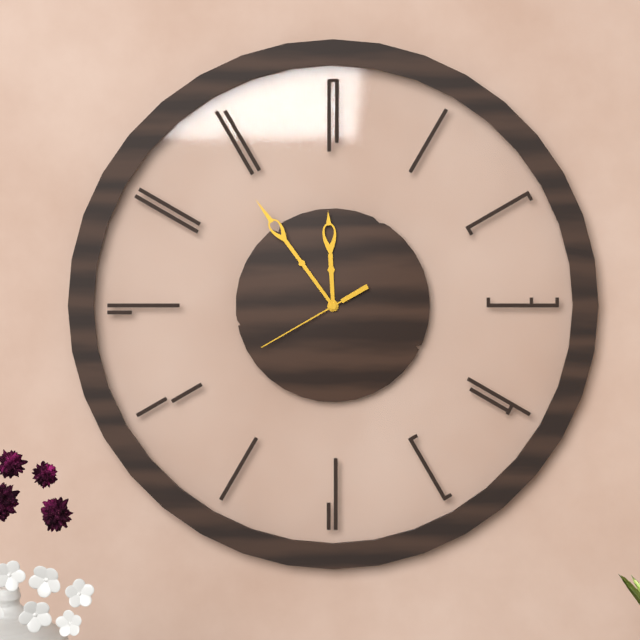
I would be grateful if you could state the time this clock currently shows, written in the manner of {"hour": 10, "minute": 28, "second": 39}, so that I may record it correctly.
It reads {"hour": 11, "minute": 54, "second": 40}
